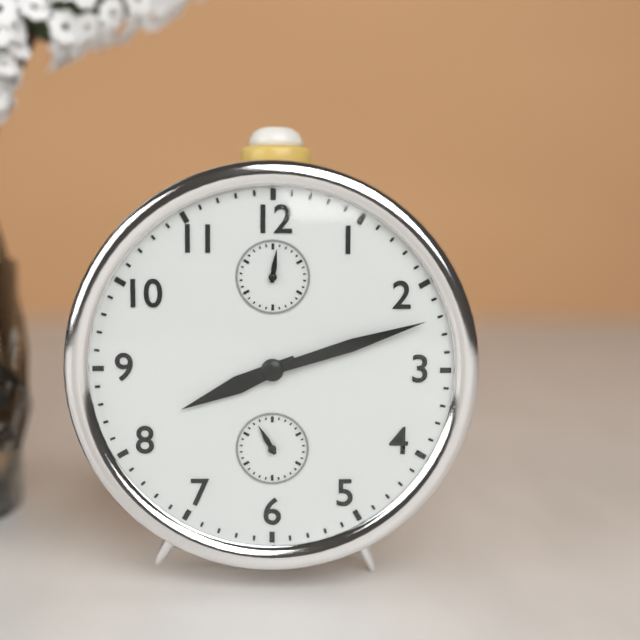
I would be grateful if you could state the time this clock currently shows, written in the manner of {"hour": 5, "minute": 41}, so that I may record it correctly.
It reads {"hour": 8, "minute": 12}
